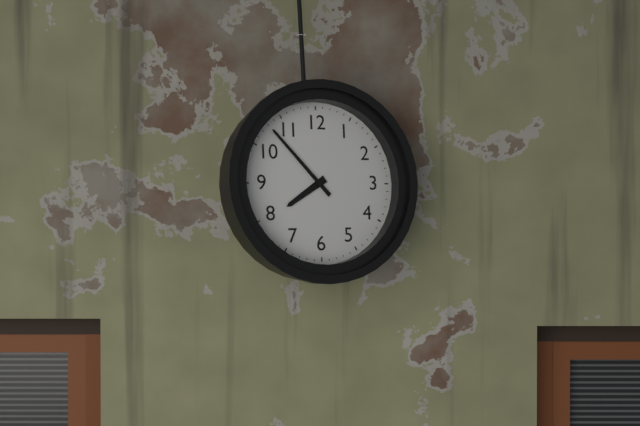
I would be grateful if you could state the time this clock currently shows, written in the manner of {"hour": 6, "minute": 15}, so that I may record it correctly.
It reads {"hour": 7, "minute": 53}
